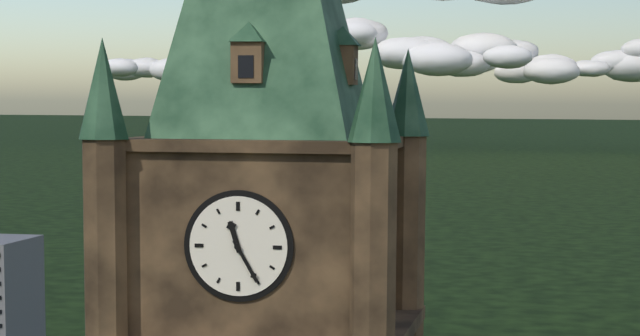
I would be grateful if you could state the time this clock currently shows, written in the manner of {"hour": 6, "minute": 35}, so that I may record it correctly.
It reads {"hour": 11, "minute": 25}
